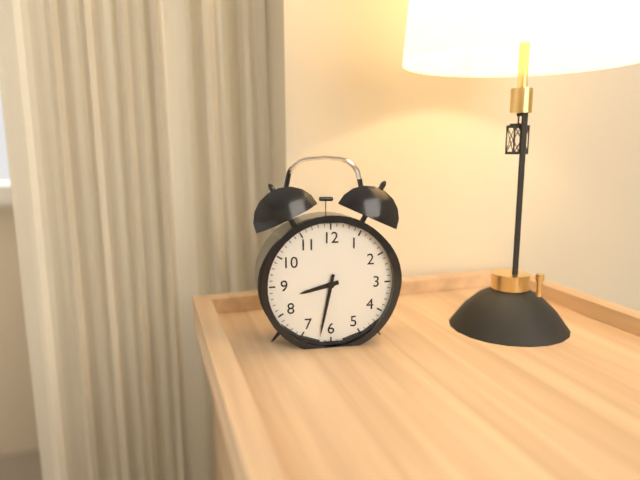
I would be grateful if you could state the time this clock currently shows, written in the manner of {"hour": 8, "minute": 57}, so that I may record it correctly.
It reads {"hour": 8, "minute": 32}
